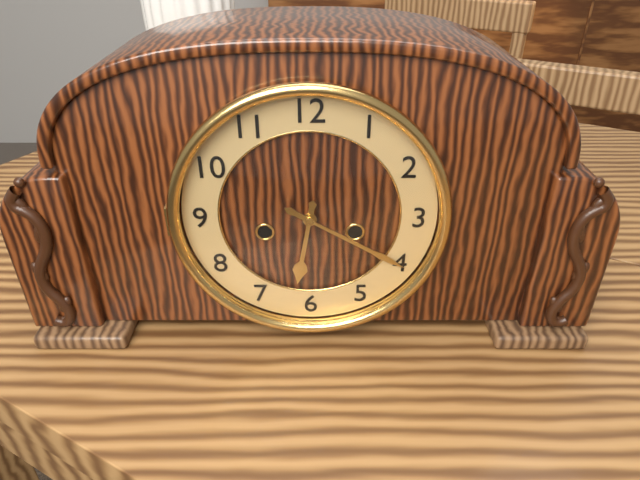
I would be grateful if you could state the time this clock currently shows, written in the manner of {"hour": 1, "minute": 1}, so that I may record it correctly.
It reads {"hour": 6, "minute": 20}
